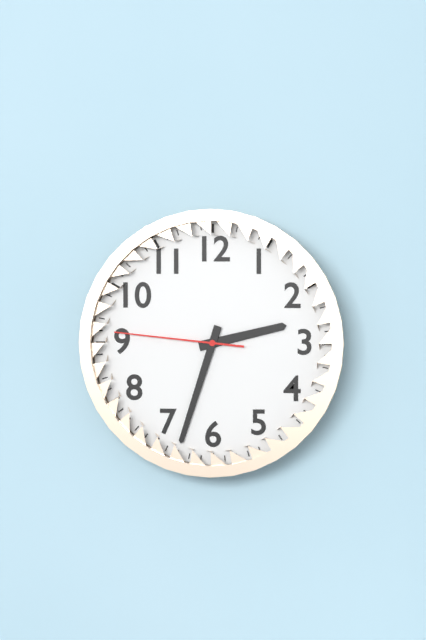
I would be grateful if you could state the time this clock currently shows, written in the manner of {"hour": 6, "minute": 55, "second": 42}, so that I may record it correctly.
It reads {"hour": 2, "minute": 33, "second": 46}
